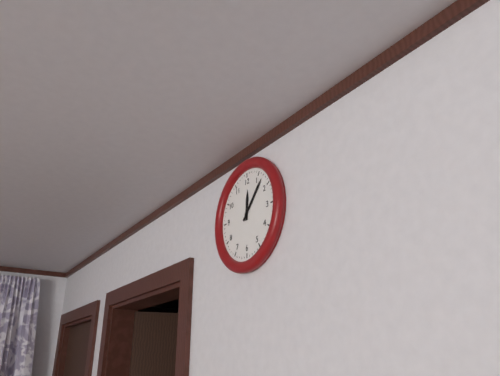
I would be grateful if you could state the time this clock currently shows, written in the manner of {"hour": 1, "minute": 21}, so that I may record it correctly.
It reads {"hour": 12, "minute": 7}
